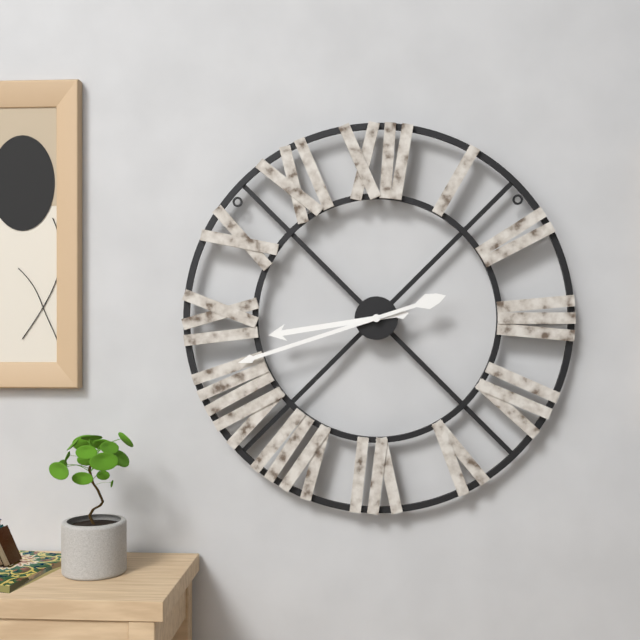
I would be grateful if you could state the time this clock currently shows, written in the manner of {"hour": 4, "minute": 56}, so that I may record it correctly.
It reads {"hour": 8, "minute": 42}
